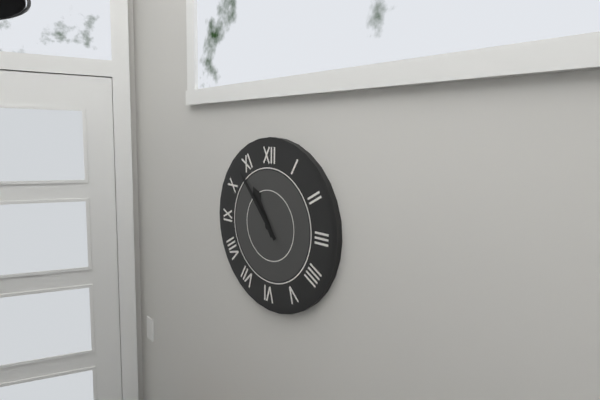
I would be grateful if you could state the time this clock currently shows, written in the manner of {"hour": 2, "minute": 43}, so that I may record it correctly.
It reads {"hour": 10, "minute": 53}
